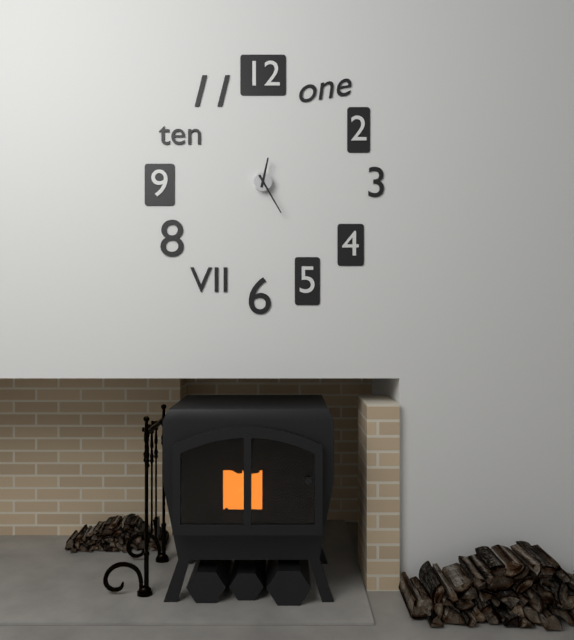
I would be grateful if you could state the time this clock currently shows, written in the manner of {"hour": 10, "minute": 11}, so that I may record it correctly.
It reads {"hour": 12, "minute": 25}
